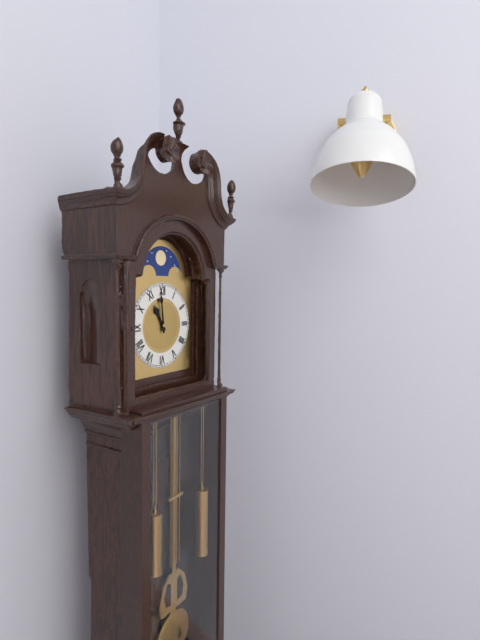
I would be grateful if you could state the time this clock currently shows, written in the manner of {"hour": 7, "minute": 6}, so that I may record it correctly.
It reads {"hour": 10, "minute": 59}
